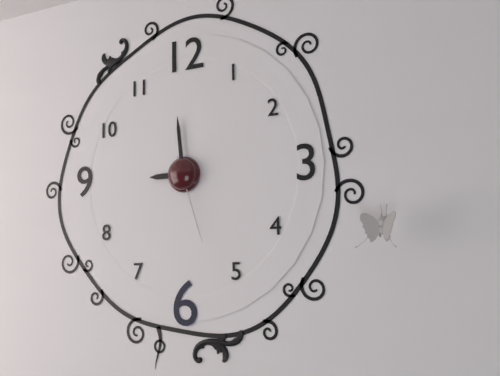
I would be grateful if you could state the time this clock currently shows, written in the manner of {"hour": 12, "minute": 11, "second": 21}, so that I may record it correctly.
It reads {"hour": 8, "minute": 59, "second": 27}
